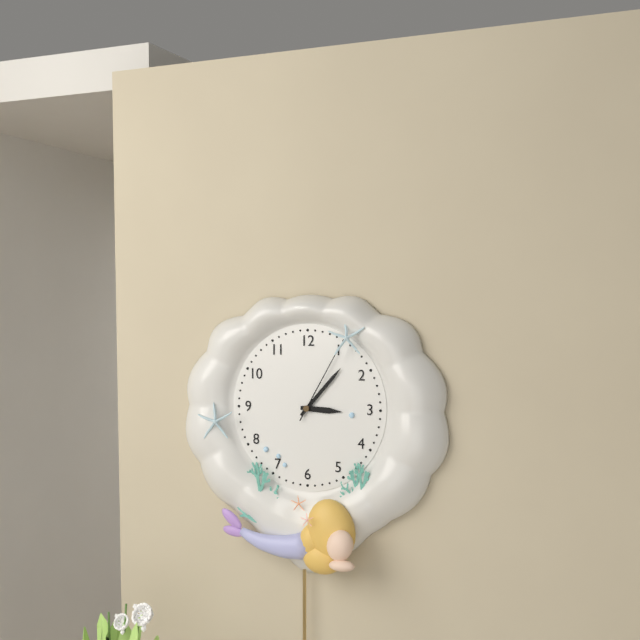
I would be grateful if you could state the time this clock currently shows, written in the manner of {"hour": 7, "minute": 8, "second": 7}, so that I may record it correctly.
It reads {"hour": 3, "minute": 7, "second": 5}
